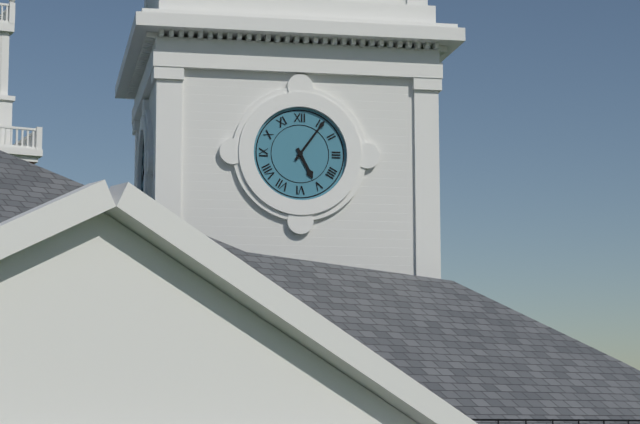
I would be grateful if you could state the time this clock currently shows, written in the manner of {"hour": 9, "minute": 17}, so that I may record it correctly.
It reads {"hour": 5, "minute": 6}
